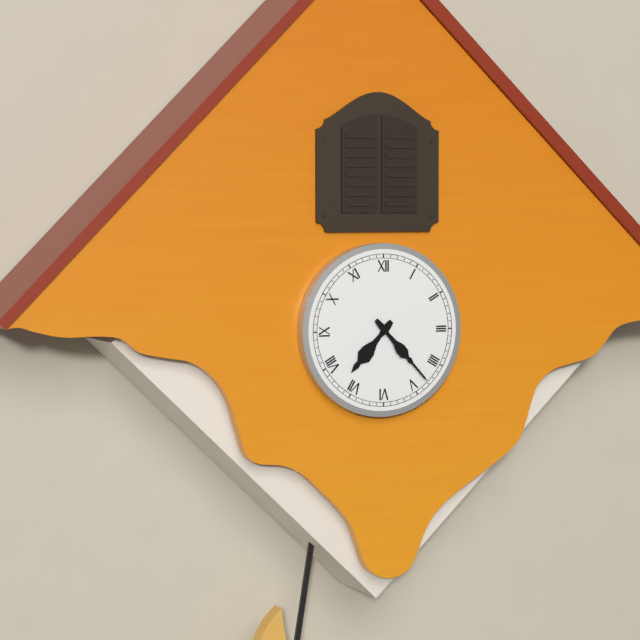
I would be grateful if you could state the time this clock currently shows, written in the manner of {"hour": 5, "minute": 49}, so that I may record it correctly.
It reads {"hour": 7, "minute": 23}
